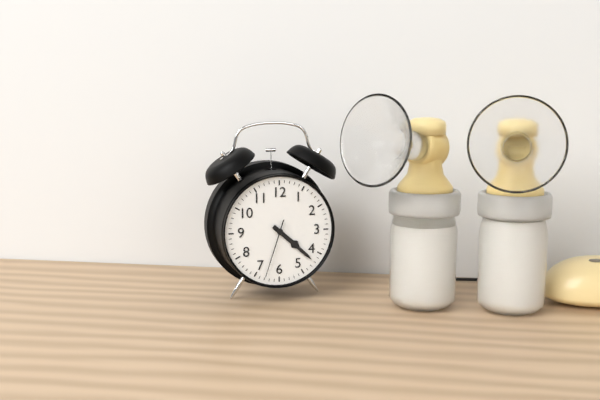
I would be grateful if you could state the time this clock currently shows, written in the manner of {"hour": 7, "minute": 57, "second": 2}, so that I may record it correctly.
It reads {"hour": 4, "minute": 22, "second": 33}
